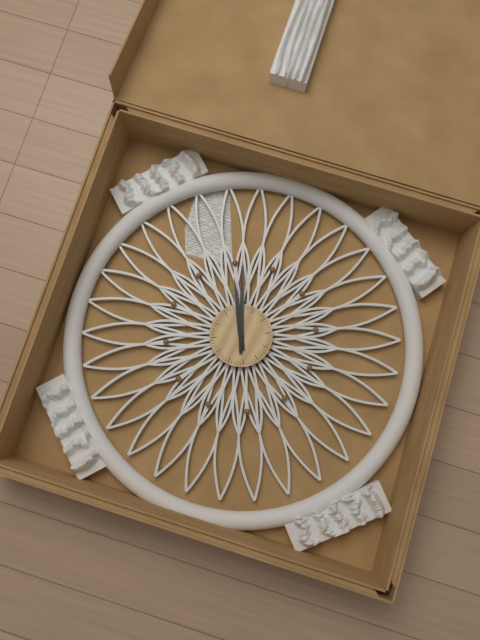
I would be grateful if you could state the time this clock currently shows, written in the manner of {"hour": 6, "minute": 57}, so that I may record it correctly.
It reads {"hour": 10, "minute": 56}
